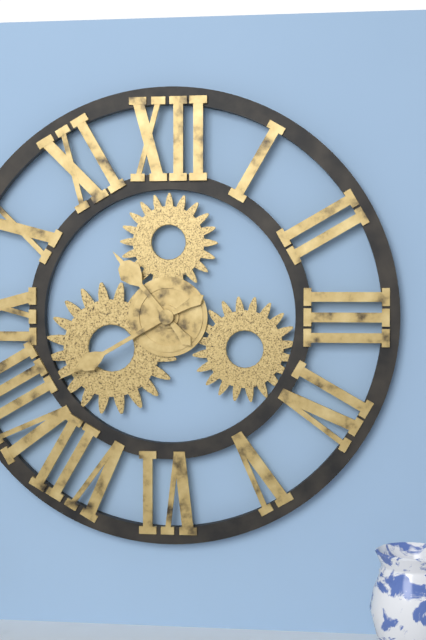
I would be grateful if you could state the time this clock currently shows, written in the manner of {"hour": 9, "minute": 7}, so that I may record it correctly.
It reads {"hour": 10, "minute": 40}
